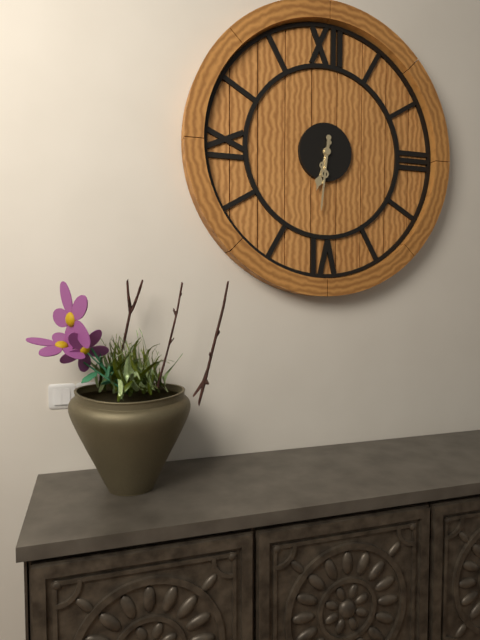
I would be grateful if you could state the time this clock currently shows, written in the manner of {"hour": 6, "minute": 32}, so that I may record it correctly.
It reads {"hour": 6, "minute": 31}
